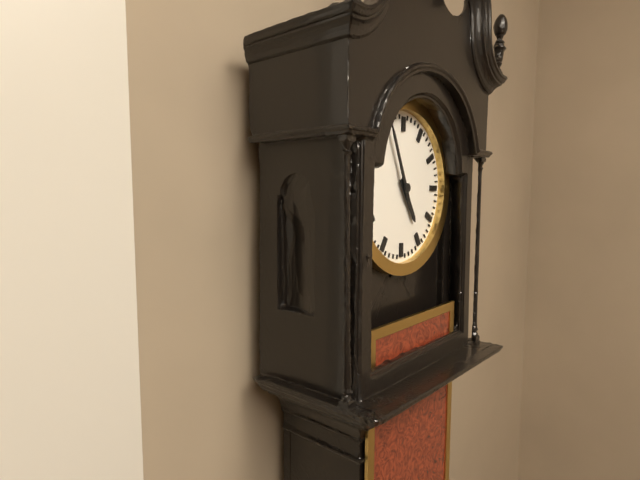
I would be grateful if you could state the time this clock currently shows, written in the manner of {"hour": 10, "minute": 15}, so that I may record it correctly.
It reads {"hour": 4, "minute": 56}
